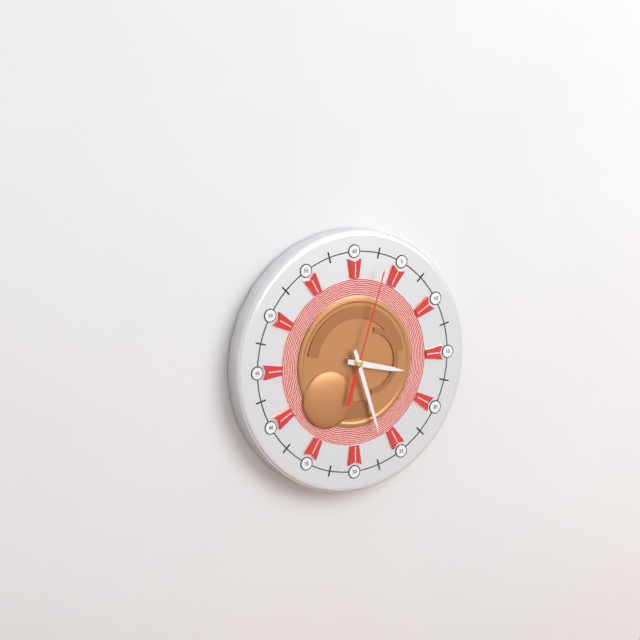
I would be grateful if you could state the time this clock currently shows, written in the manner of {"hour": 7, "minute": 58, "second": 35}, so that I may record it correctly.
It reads {"hour": 3, "minute": 27, "second": 3}
